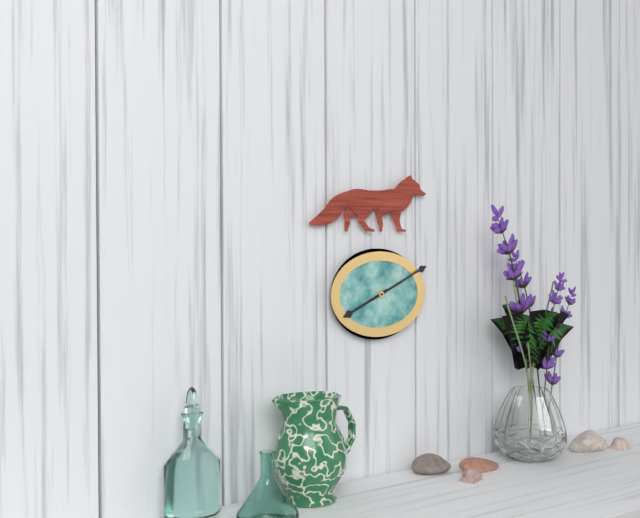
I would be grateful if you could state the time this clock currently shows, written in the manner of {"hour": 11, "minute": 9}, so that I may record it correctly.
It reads {"hour": 8, "minute": 11}
